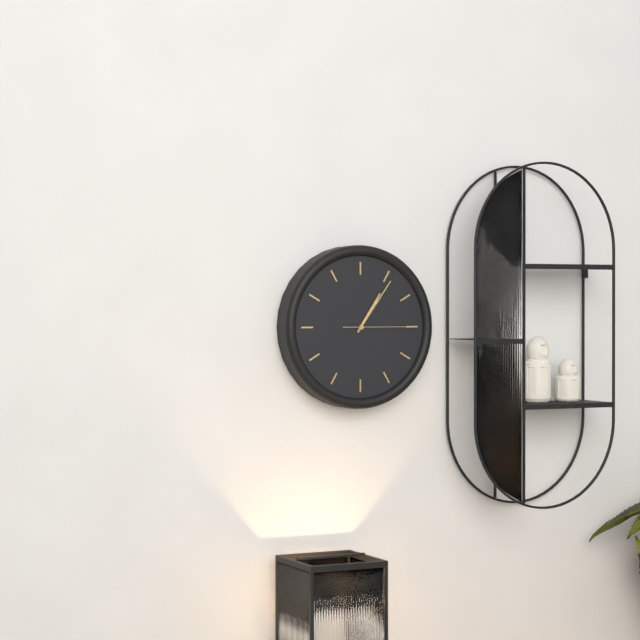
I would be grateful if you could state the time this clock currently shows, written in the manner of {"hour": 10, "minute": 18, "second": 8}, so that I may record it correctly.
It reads {"hour": 1, "minute": 6, "second": 15}
